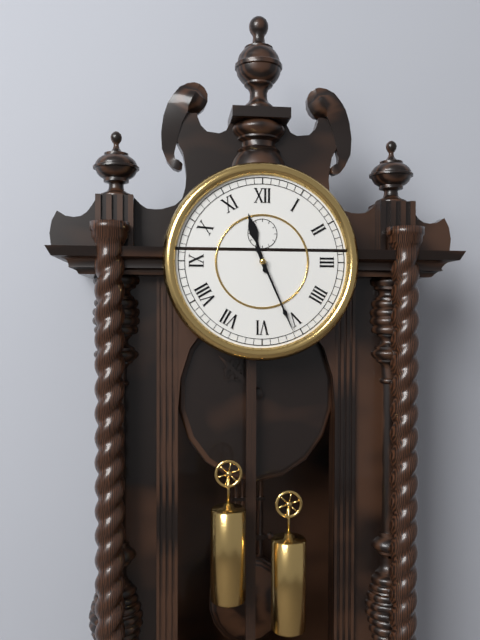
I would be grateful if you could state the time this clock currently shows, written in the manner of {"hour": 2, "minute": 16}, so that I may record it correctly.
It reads {"hour": 11, "minute": 26}
